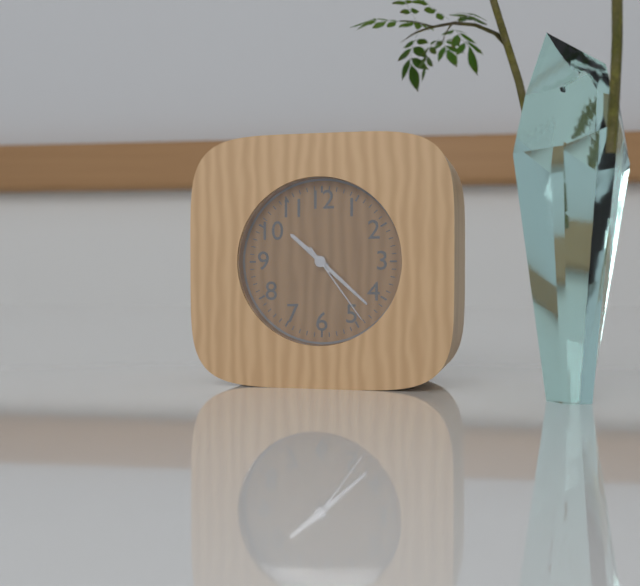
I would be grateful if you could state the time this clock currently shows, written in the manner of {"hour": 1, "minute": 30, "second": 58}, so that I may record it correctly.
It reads {"hour": 10, "minute": 22, "second": 24}
